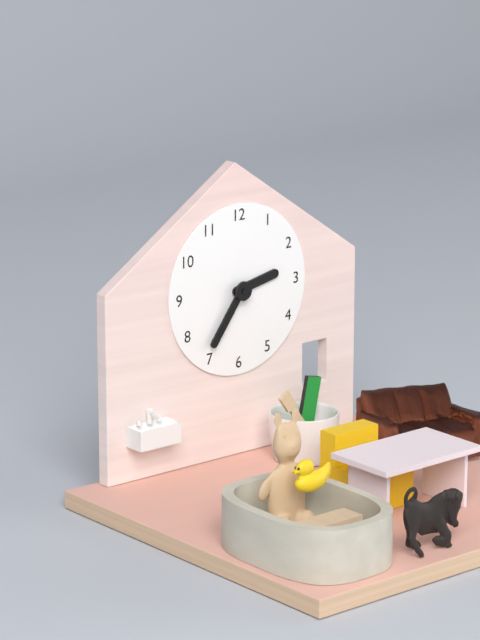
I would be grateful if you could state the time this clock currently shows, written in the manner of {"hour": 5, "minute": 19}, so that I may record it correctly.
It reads {"hour": 2, "minute": 36}
